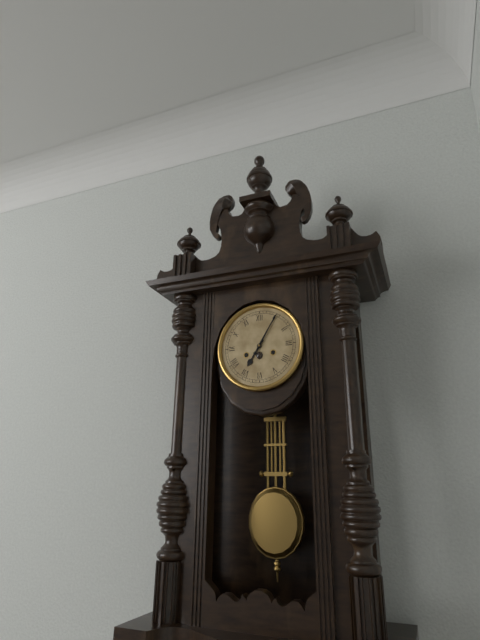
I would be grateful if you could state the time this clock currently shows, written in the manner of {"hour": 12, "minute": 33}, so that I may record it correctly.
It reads {"hour": 7, "minute": 5}
